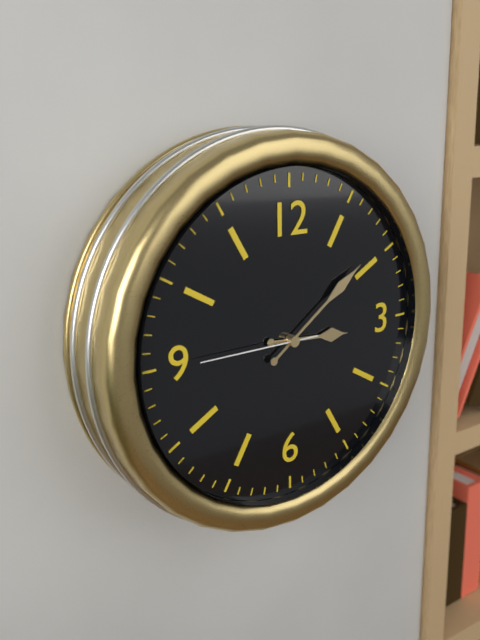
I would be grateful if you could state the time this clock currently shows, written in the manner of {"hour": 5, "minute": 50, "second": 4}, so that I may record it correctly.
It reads {"hour": 3, "minute": 9, "second": 45}
